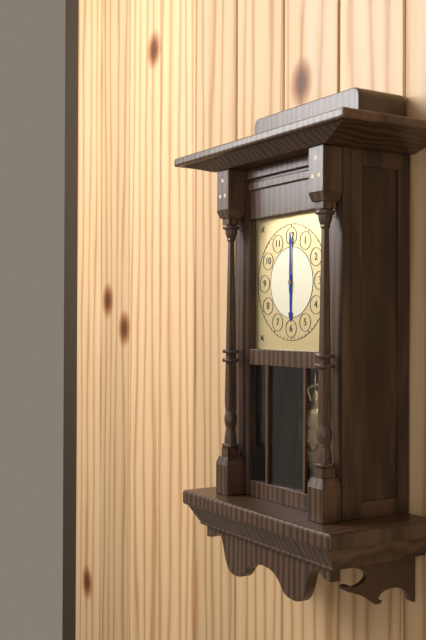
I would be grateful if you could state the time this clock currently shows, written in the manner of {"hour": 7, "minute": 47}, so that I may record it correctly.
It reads {"hour": 6, "minute": 0}
